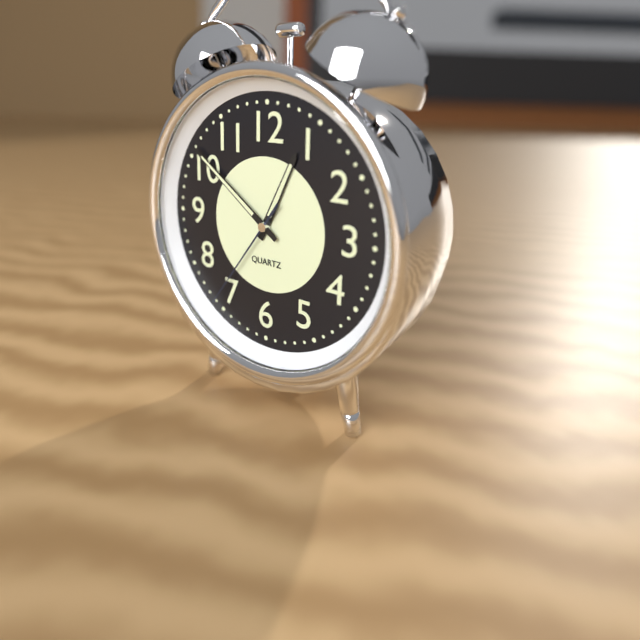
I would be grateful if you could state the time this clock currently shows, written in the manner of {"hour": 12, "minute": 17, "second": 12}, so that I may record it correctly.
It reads {"hour": 12, "minute": 51, "second": 36}
